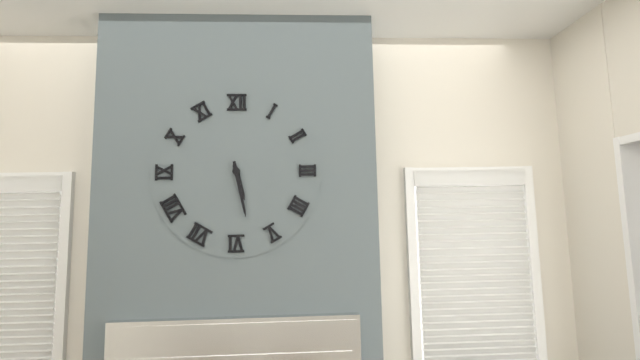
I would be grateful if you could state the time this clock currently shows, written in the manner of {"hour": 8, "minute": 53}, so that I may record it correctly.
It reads {"hour": 5, "minute": 28}
